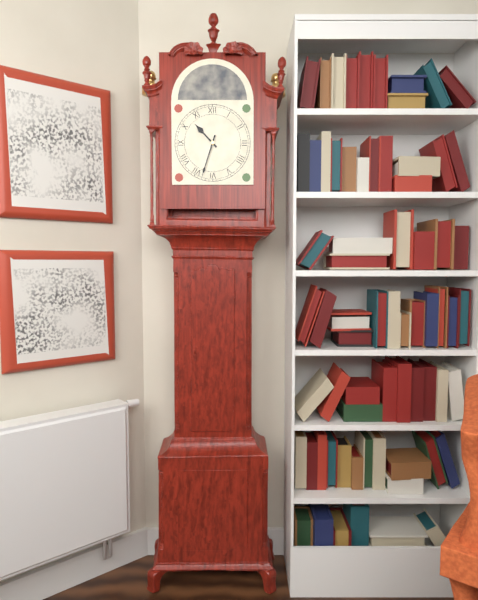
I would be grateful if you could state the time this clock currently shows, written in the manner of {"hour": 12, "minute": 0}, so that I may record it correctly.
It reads {"hour": 10, "minute": 33}
